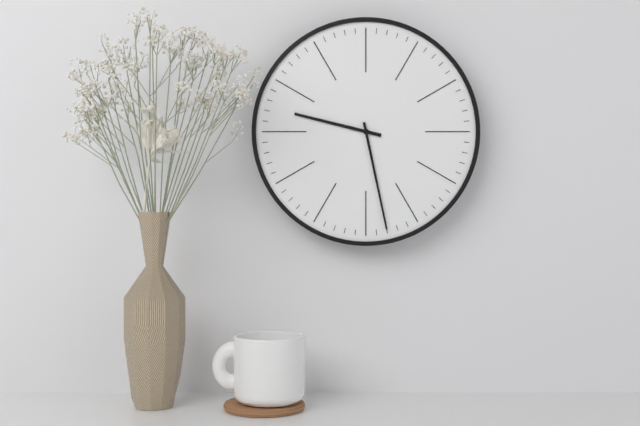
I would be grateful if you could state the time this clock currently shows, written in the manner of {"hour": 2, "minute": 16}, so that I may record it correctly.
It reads {"hour": 9, "minute": 28}
